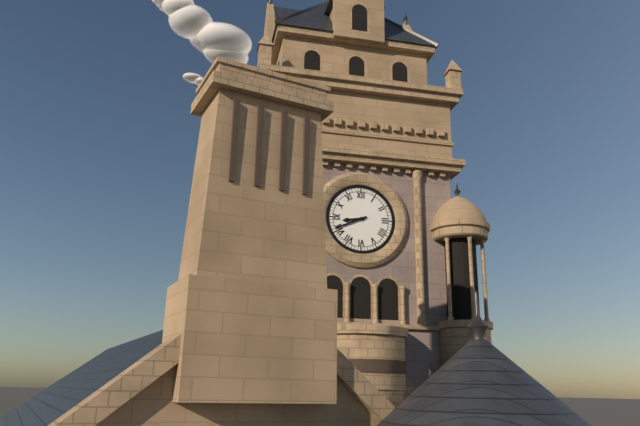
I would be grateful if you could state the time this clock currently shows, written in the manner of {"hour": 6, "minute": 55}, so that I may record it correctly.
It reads {"hour": 8, "minute": 41}
